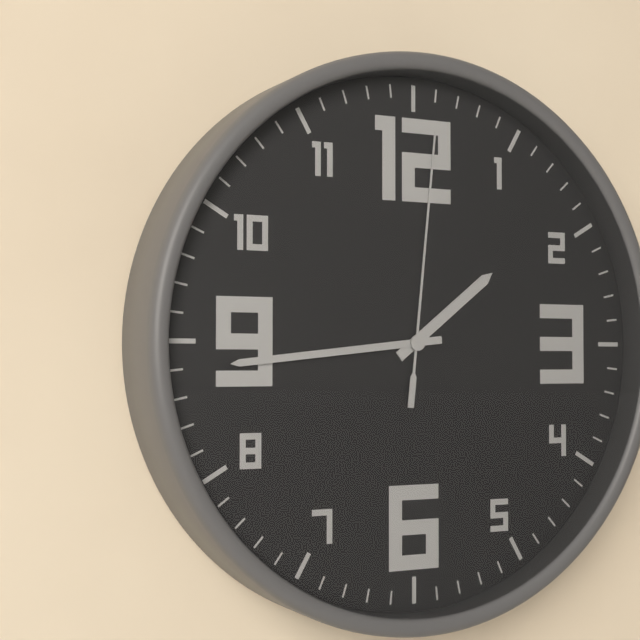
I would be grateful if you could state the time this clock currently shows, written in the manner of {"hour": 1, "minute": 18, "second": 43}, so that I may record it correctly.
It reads {"hour": 1, "minute": 44, "second": 1}
